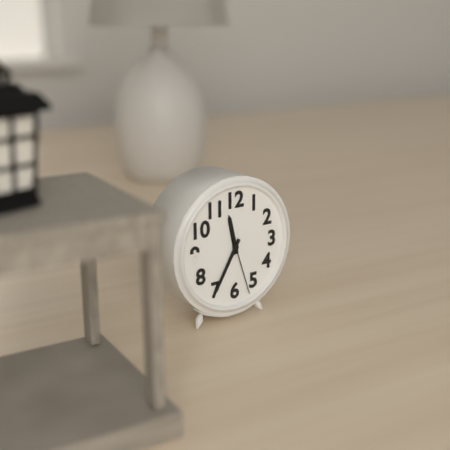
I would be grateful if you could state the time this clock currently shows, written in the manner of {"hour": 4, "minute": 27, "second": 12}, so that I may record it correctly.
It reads {"hour": 11, "minute": 35, "second": 27}
